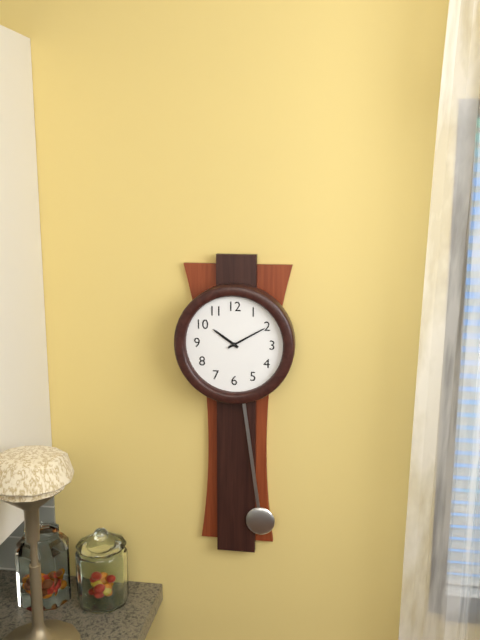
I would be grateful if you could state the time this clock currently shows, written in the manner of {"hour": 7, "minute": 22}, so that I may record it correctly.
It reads {"hour": 10, "minute": 10}
